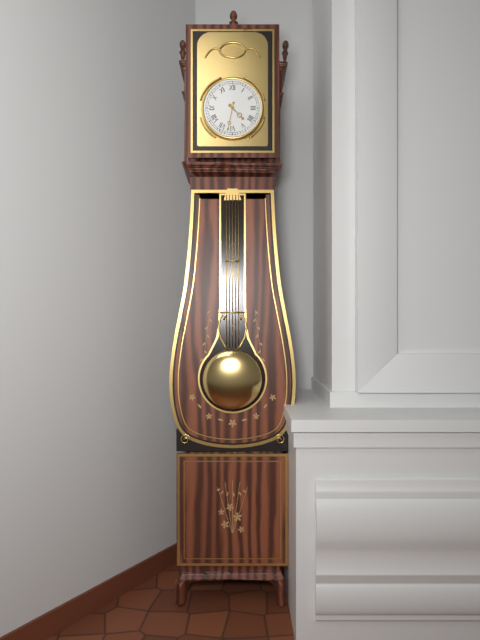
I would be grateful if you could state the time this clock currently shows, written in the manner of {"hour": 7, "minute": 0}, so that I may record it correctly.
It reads {"hour": 4, "minute": 32}
